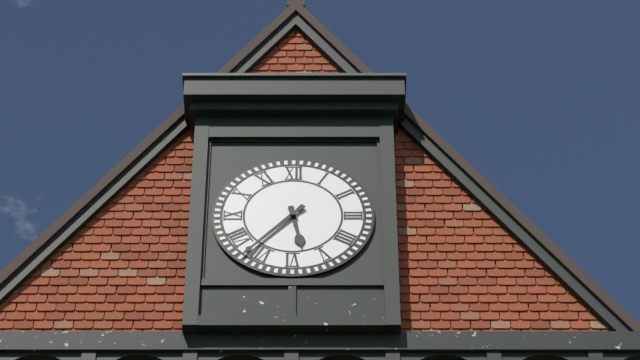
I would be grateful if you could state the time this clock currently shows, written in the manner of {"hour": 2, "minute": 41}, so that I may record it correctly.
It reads {"hour": 5, "minute": 37}
